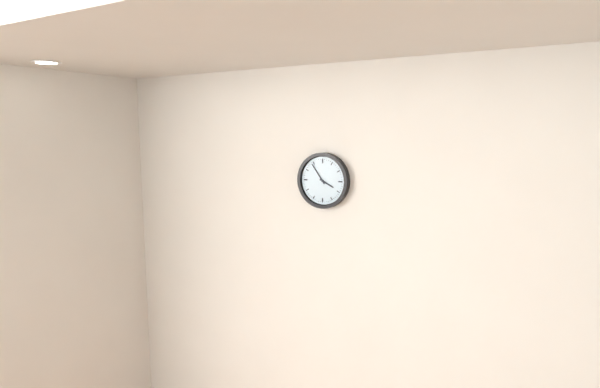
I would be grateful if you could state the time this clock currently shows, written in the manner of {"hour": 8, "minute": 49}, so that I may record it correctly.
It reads {"hour": 3, "minute": 54}
